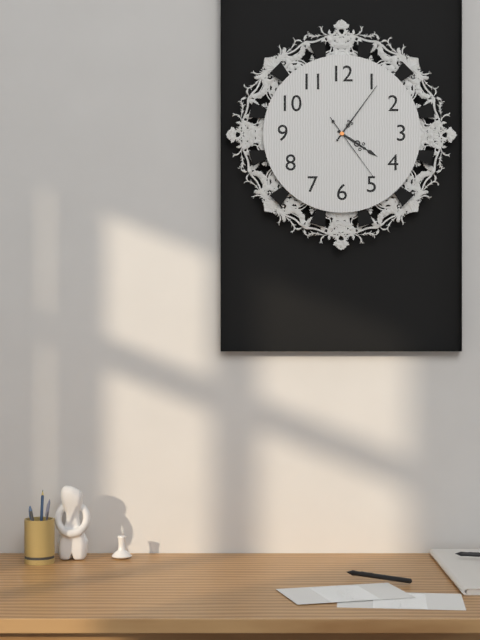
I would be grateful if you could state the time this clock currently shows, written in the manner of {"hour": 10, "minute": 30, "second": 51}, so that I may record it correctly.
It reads {"hour": 4, "minute": 6, "second": 24}
